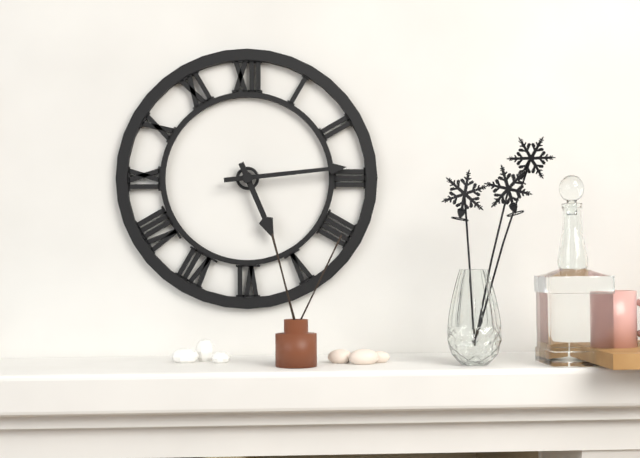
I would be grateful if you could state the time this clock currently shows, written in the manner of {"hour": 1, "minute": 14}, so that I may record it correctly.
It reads {"hour": 5, "minute": 14}
